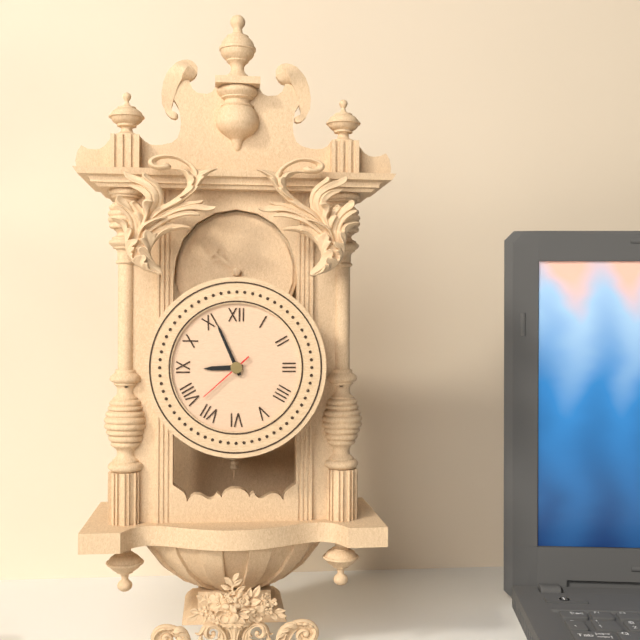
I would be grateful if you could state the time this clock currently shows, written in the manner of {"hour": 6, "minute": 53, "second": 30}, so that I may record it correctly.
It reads {"hour": 8, "minute": 56, "second": 38}
